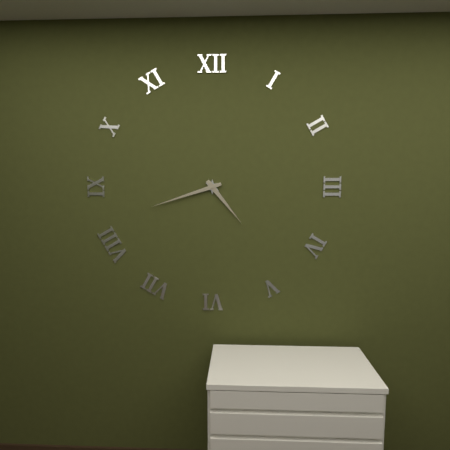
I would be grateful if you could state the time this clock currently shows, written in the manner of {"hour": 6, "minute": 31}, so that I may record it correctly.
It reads {"hour": 4, "minute": 42}
